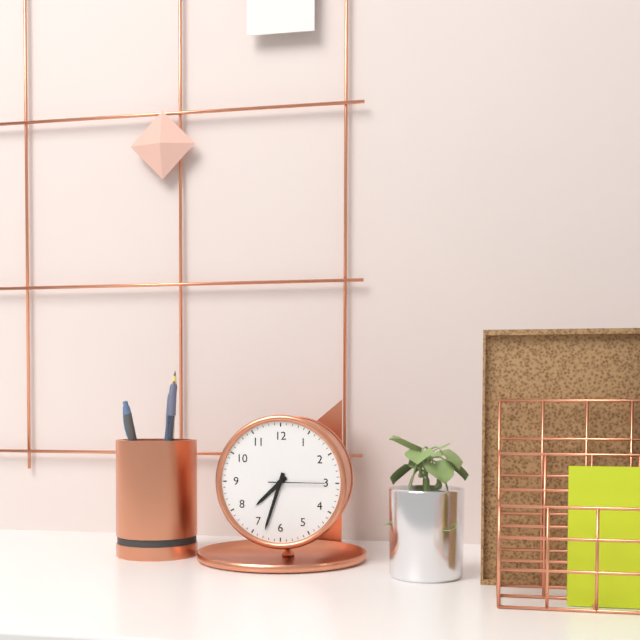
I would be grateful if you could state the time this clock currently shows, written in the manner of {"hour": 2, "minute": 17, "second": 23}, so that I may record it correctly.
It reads {"hour": 7, "minute": 33, "second": 15}
